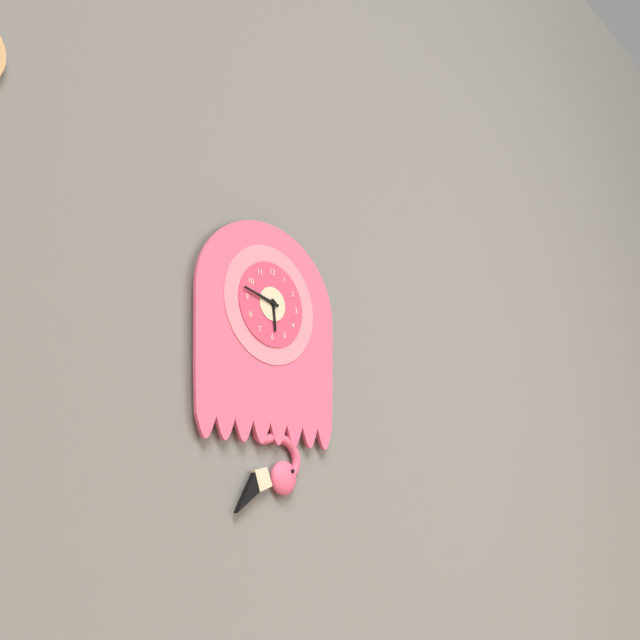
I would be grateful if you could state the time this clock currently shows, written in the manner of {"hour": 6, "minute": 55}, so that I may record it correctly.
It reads {"hour": 5, "minute": 47}
